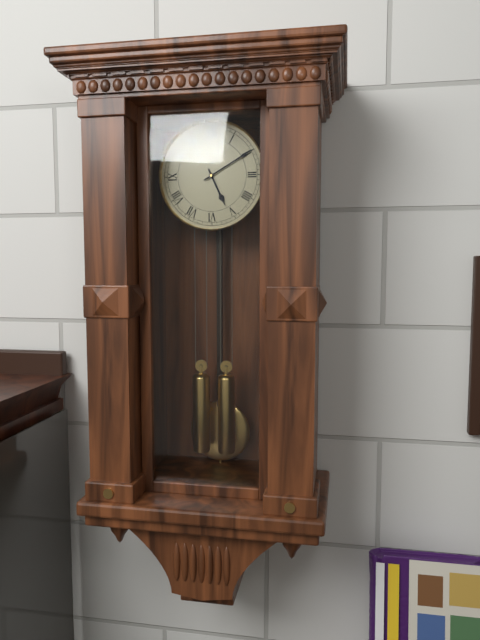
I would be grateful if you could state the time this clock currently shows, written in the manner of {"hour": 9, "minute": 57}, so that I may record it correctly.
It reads {"hour": 5, "minute": 10}
